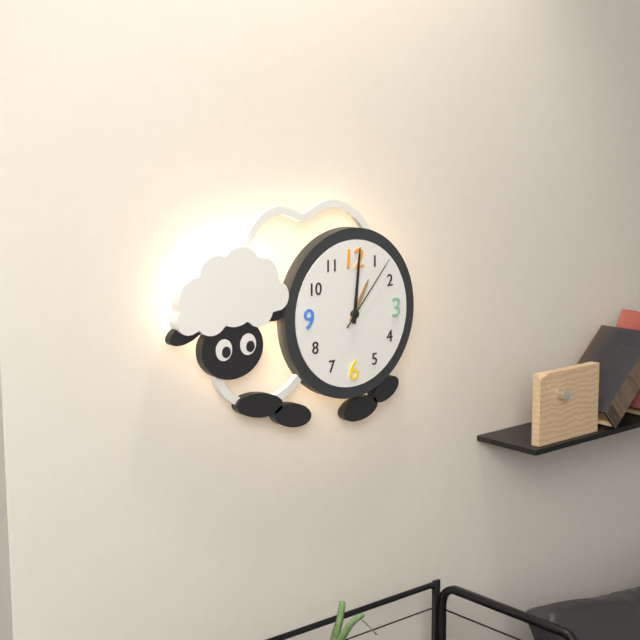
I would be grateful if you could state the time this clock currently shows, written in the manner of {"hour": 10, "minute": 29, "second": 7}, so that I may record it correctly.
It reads {"hour": 1, "minute": 1, "second": 7}
